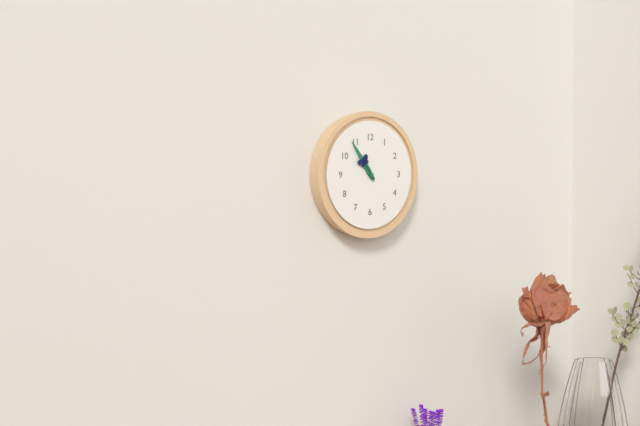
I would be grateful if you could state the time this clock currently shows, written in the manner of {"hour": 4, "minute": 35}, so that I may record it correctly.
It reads {"hour": 10, "minute": 54}
